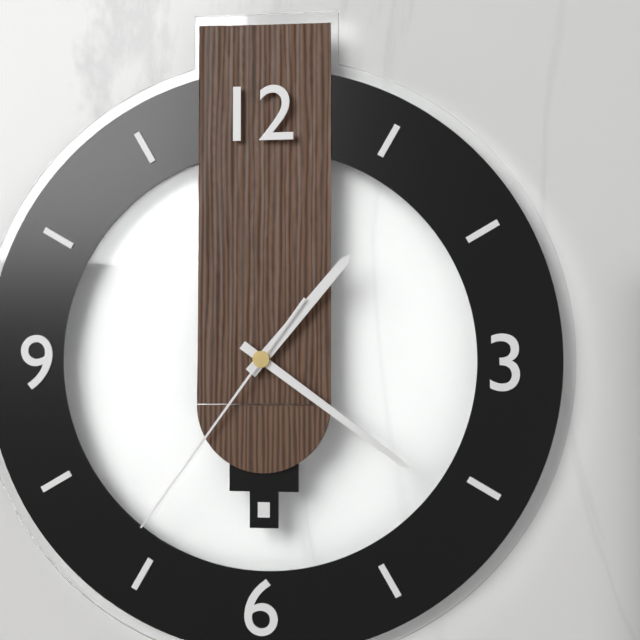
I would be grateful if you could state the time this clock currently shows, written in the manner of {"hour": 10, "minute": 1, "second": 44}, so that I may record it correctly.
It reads {"hour": 1, "minute": 21, "second": 36}
